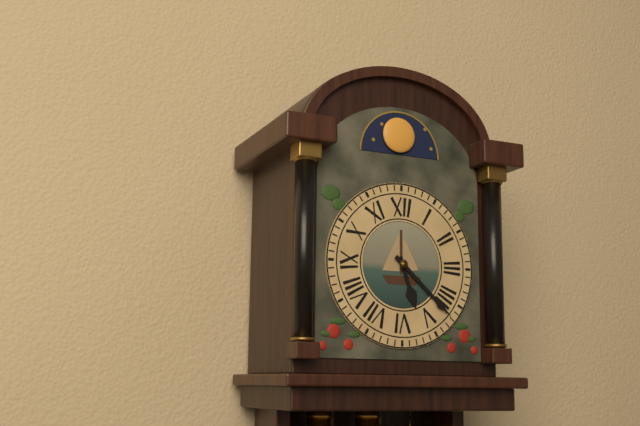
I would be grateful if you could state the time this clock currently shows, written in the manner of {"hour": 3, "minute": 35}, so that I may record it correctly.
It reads {"hour": 5, "minute": 22}
